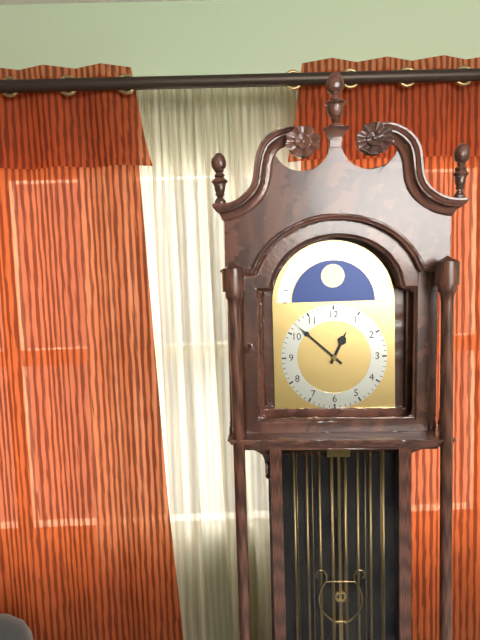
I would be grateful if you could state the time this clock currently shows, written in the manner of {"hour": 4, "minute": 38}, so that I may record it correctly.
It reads {"hour": 12, "minute": 52}
